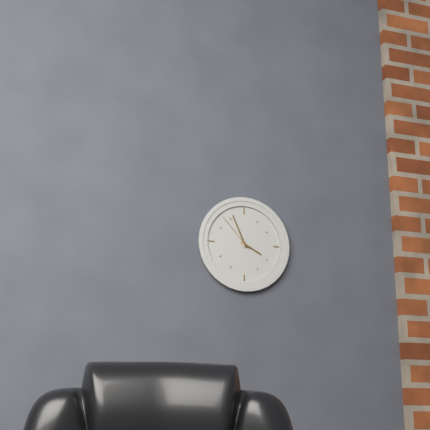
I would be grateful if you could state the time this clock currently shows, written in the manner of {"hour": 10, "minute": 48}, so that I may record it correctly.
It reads {"hour": 3, "minute": 56}
